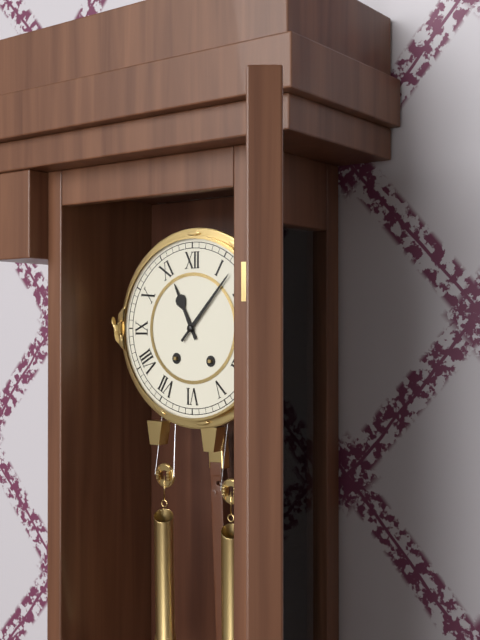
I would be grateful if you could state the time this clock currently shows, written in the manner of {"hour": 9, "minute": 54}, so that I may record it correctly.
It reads {"hour": 11, "minute": 7}
